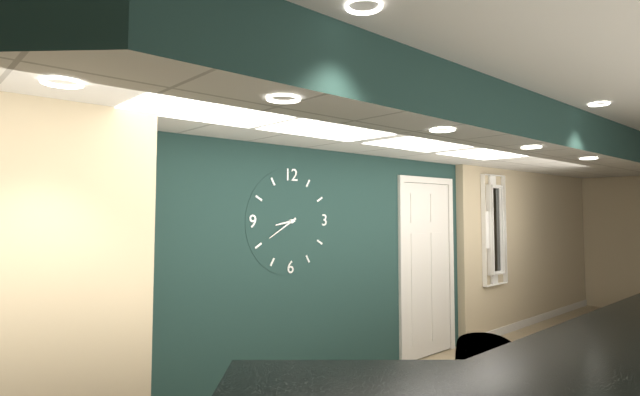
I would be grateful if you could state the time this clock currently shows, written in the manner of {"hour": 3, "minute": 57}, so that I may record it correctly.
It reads {"hour": 8, "minute": 40}
